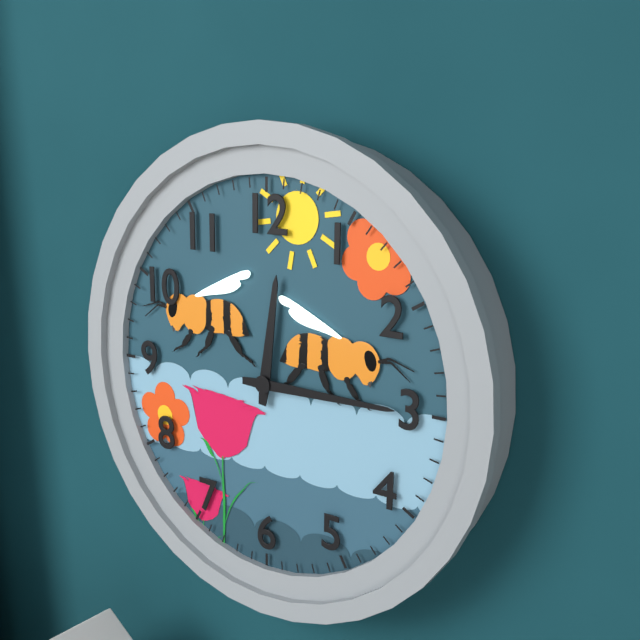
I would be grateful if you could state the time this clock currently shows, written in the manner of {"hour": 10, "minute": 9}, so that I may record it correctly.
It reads {"hour": 12, "minute": 15}
